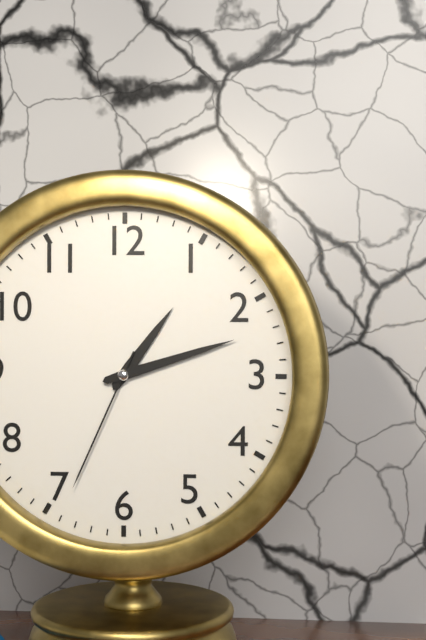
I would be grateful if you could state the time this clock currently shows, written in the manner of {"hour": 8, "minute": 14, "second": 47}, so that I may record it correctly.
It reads {"hour": 1, "minute": 12, "second": 34}
